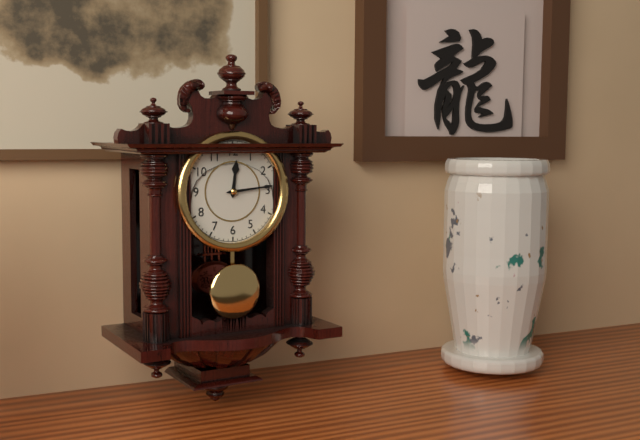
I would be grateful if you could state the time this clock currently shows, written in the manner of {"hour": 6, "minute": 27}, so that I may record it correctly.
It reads {"hour": 12, "minute": 14}
